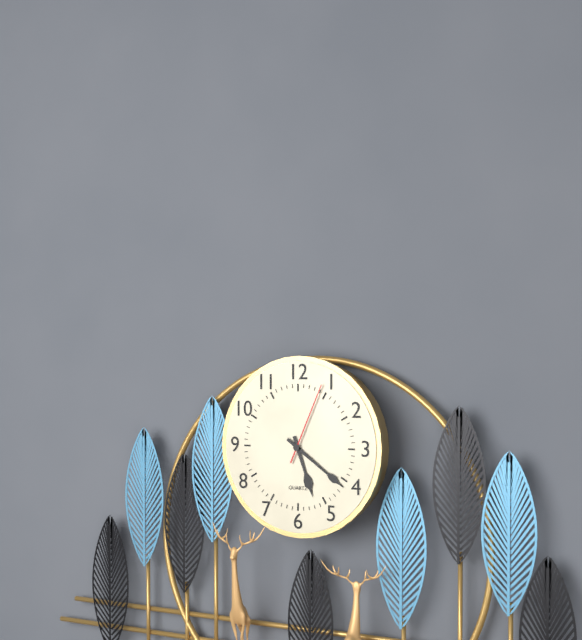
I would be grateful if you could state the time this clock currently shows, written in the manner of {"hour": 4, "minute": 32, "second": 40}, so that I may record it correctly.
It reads {"hour": 5, "minute": 21, "second": 4}
